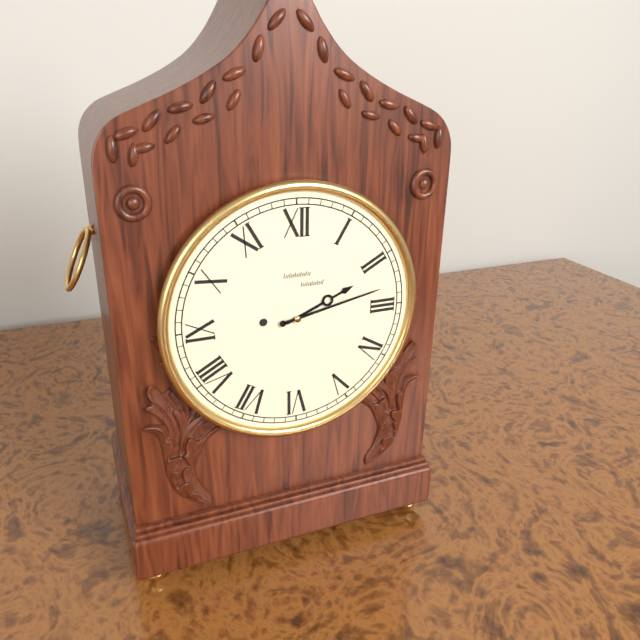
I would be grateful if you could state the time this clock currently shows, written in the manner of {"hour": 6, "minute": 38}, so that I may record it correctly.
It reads {"hour": 2, "minute": 13}
